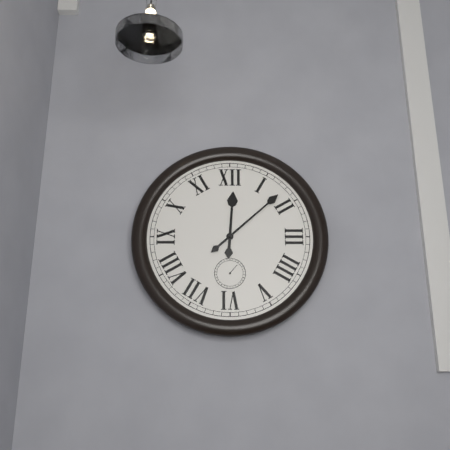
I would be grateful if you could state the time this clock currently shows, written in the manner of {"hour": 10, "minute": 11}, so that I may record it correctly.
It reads {"hour": 12, "minute": 8}
